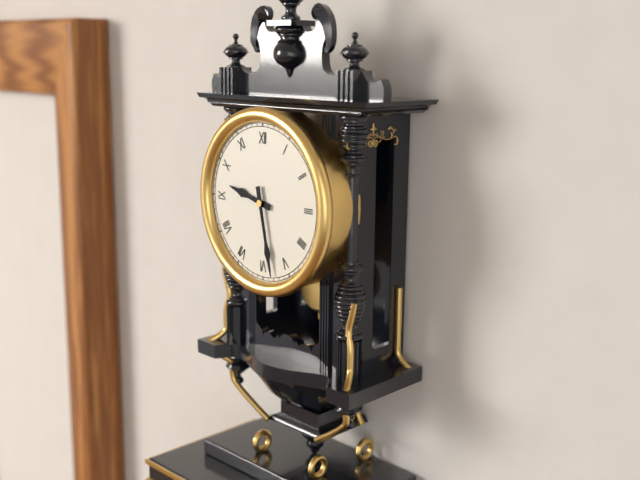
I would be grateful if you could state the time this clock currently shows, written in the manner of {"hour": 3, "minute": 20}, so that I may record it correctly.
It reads {"hour": 9, "minute": 28}
